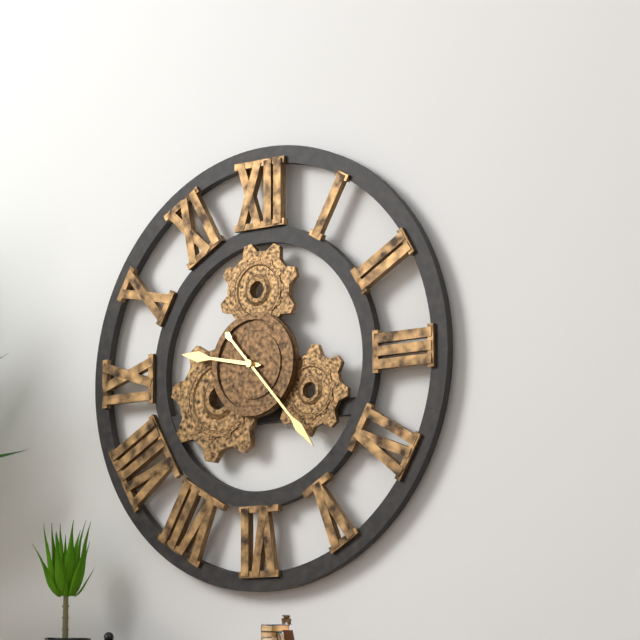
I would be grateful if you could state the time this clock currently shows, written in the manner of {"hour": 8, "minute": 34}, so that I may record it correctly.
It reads {"hour": 9, "minute": 23}
